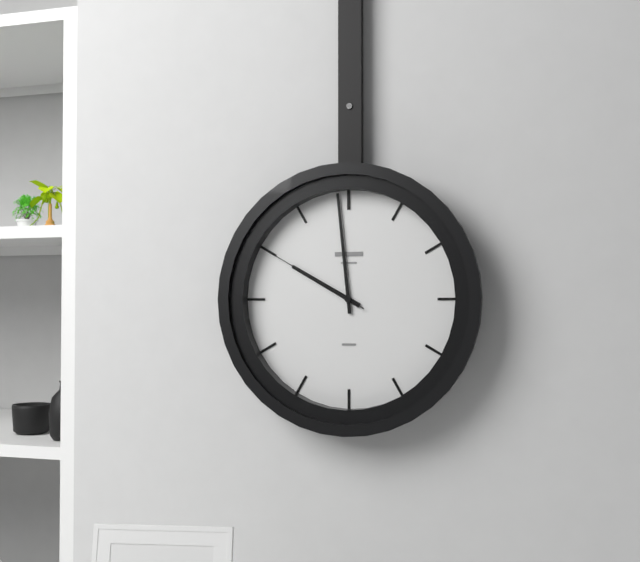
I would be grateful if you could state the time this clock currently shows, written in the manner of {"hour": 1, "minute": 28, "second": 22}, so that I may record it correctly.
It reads {"hour": 9, "minute": 59, "second": 50}
